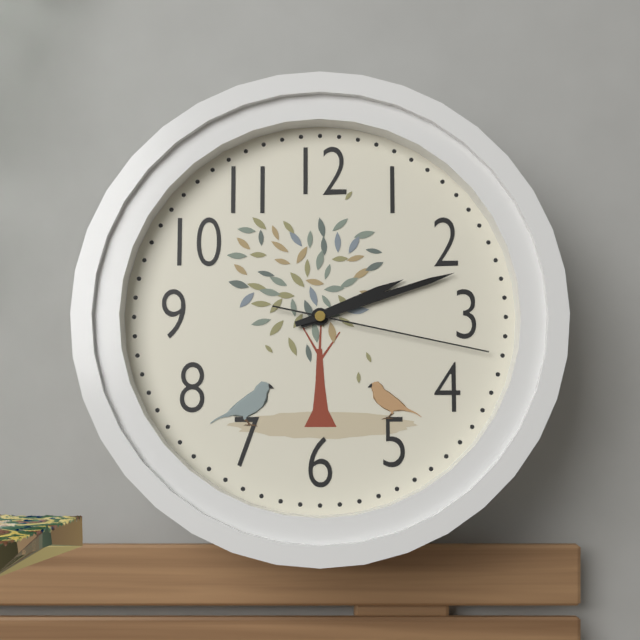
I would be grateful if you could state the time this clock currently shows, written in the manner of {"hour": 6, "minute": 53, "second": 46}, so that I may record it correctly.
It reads {"hour": 2, "minute": 12, "second": 17}
